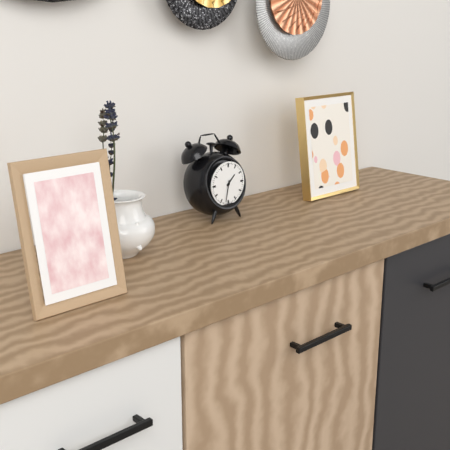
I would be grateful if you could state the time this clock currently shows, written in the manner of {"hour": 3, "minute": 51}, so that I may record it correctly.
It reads {"hour": 1, "minute": 32}
